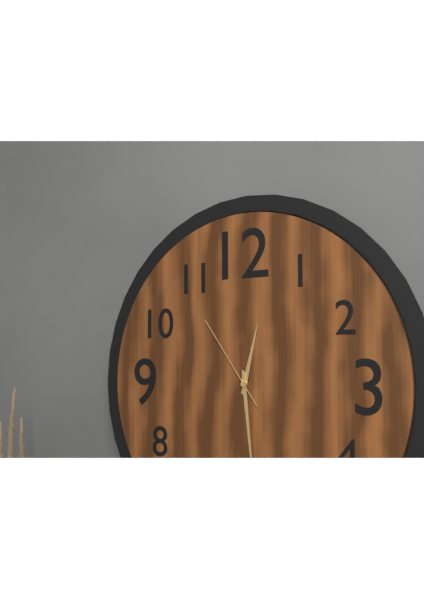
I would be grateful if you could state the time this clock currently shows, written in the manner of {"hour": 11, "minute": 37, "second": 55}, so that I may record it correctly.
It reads {"hour": 12, "minute": 29, "second": 54}
